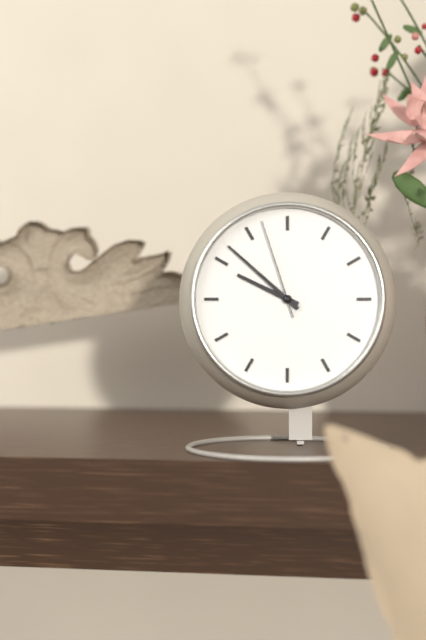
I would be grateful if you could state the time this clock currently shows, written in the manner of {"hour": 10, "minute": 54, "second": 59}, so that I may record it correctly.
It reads {"hour": 9, "minute": 52, "second": 57}
